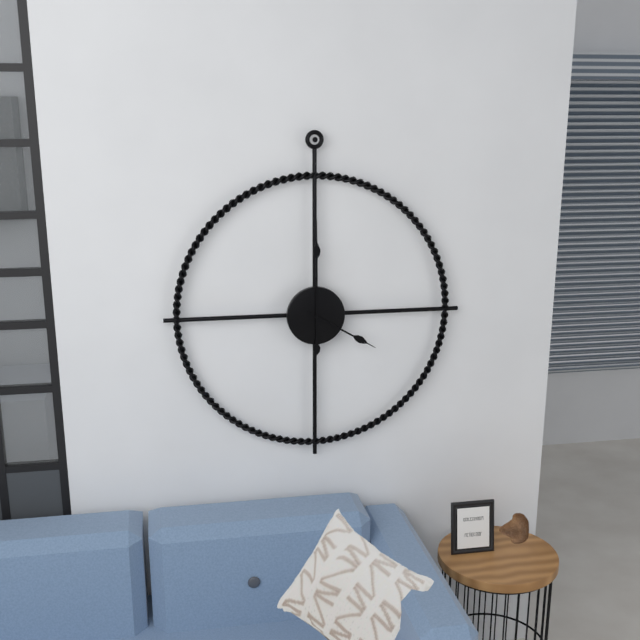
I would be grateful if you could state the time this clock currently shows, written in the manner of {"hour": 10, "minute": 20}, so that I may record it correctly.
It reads {"hour": 4, "minute": 0}
